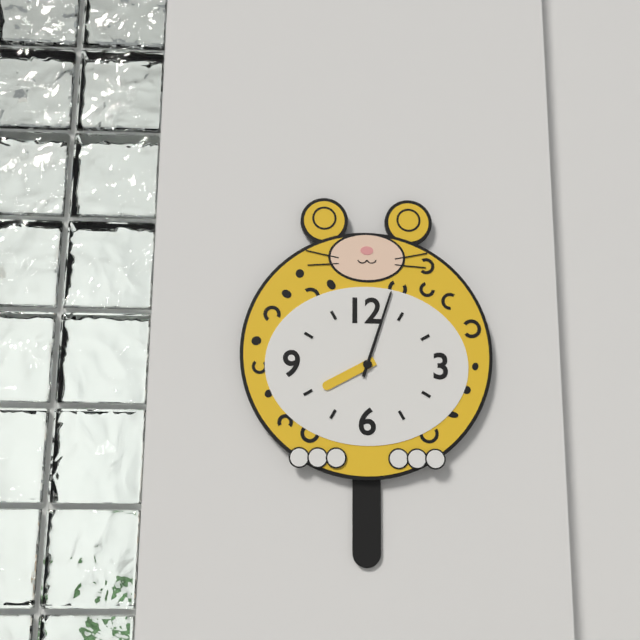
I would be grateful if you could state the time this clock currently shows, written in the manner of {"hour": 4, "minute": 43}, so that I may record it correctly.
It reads {"hour": 8, "minute": 3}
